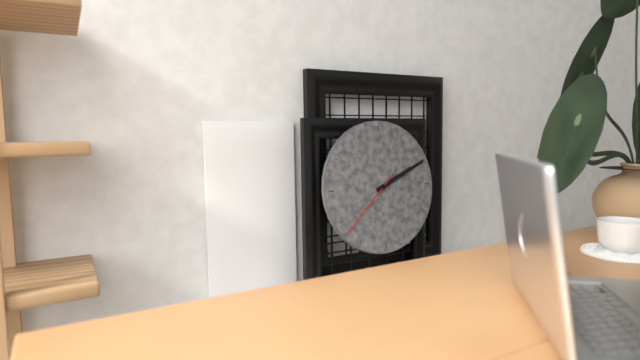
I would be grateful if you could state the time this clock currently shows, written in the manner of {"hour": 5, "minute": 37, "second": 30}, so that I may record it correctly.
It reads {"hour": 2, "minute": 11, "second": 38}
